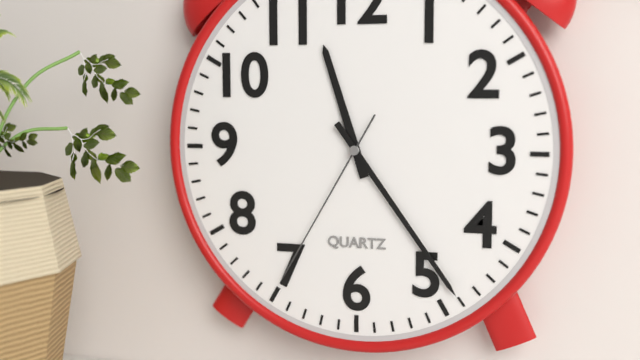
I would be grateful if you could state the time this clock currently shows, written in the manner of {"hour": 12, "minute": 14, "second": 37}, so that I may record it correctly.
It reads {"hour": 11, "minute": 24, "second": 35}
